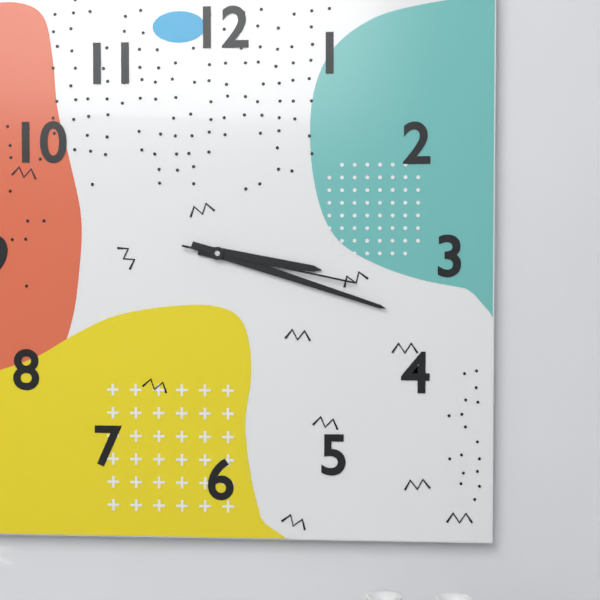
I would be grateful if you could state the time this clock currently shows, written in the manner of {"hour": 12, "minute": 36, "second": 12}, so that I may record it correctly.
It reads {"hour": 3, "minute": 18, "second": 17}
